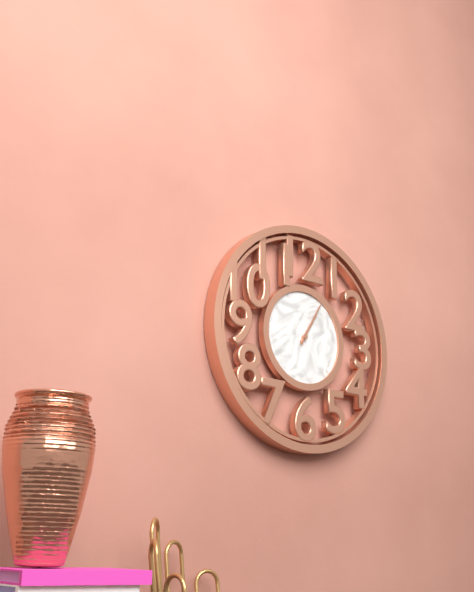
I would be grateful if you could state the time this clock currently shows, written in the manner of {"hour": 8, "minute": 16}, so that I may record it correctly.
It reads {"hour": 1, "minute": 5}
